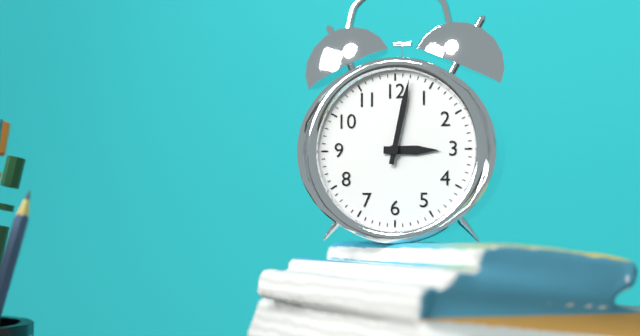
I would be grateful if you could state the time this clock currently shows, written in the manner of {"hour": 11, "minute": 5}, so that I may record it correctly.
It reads {"hour": 3, "minute": 2}
